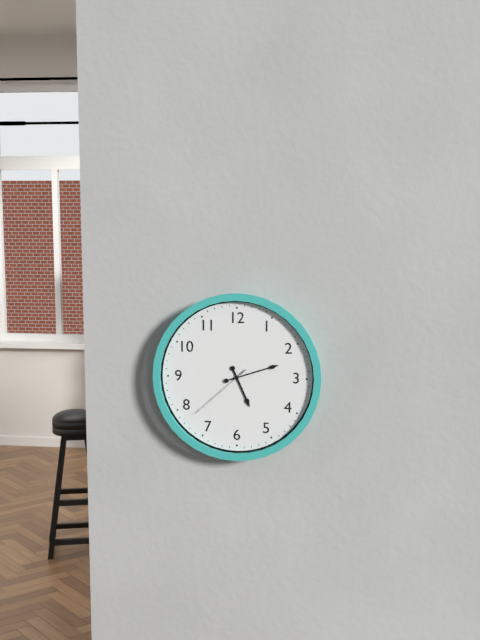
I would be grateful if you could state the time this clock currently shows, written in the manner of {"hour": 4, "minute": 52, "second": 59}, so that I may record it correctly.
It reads {"hour": 5, "minute": 12, "second": 38}
